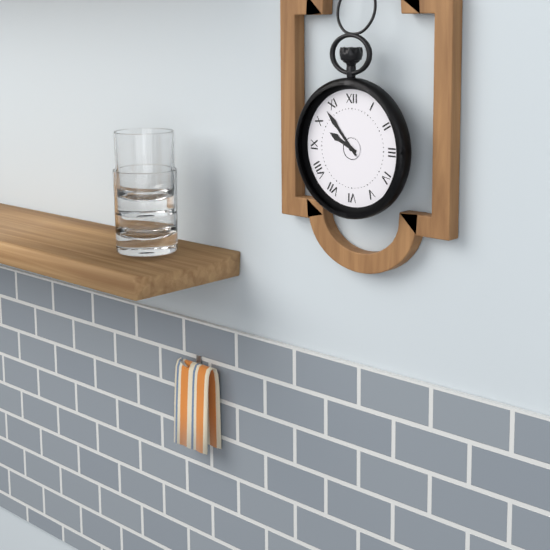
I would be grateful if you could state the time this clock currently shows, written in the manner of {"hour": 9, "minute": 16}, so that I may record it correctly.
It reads {"hour": 9, "minute": 53}
